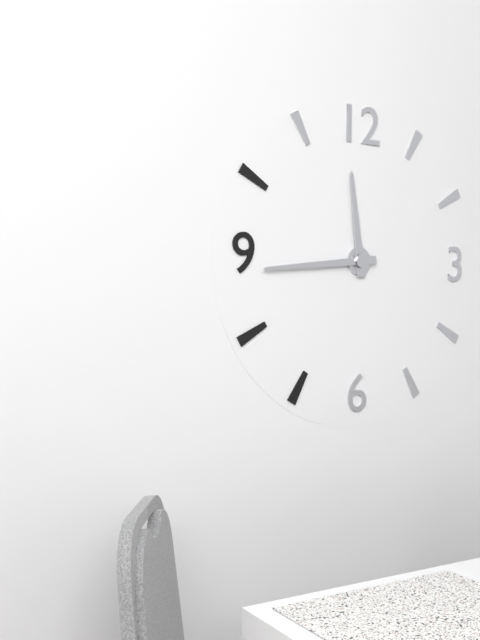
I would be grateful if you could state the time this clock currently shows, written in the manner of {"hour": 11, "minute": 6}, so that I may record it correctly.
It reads {"hour": 11, "minute": 44}
